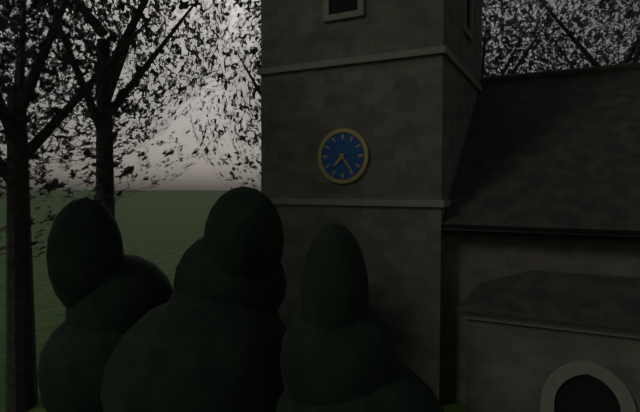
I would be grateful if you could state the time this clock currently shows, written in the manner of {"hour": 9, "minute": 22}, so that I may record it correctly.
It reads {"hour": 7, "minute": 24}
